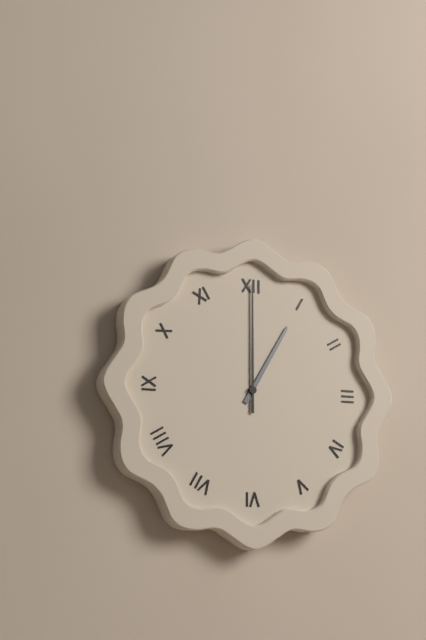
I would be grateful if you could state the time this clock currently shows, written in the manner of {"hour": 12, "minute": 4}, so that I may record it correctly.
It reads {"hour": 1, "minute": 0}
